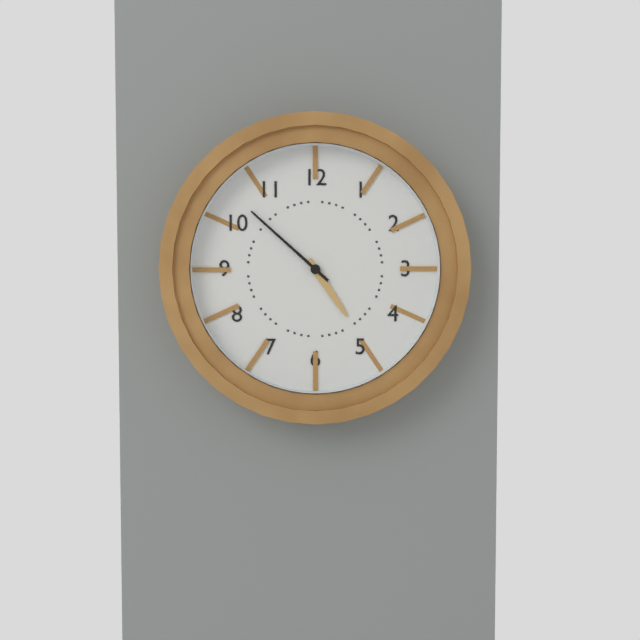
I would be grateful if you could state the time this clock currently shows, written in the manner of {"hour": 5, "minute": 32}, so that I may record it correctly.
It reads {"hour": 4, "minute": 52}
